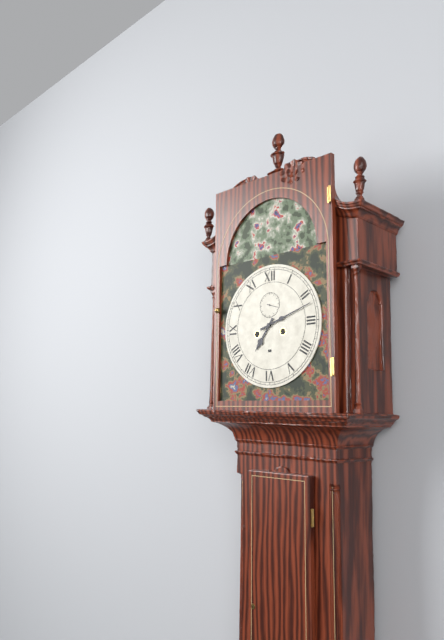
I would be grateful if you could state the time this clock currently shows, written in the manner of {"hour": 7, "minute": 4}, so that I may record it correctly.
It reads {"hour": 7, "minute": 12}
